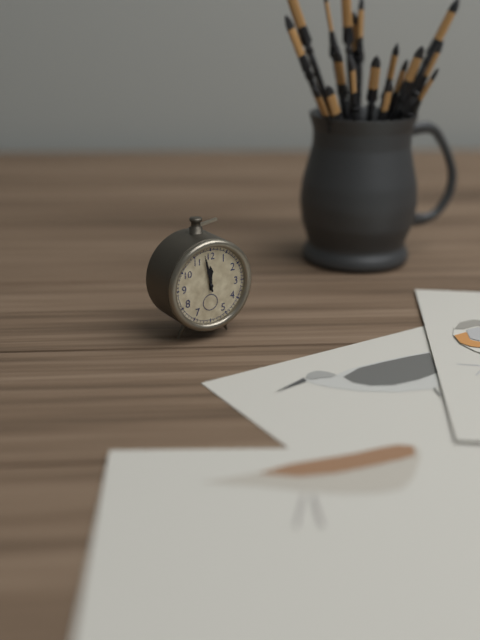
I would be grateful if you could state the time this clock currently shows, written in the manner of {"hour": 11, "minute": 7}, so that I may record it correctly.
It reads {"hour": 11, "minute": 58}
